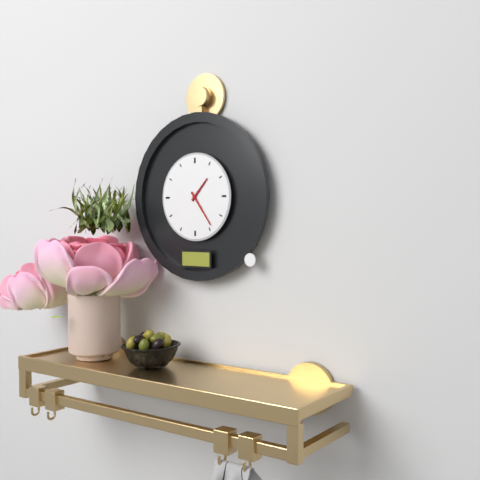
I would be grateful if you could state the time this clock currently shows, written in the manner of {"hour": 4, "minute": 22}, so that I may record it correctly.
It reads {"hour": 1, "minute": 24}
